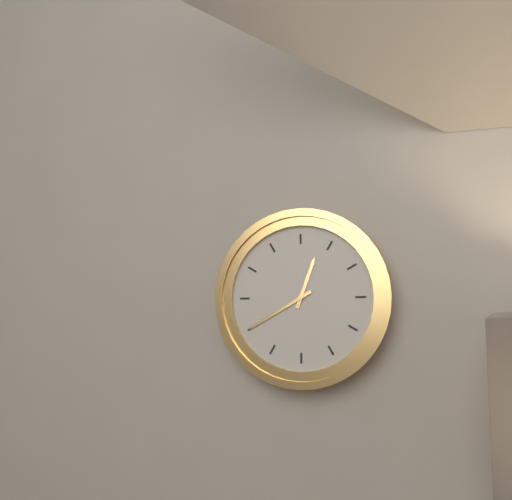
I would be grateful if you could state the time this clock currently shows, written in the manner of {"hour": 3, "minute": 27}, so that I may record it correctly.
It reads {"hour": 12, "minute": 40}
